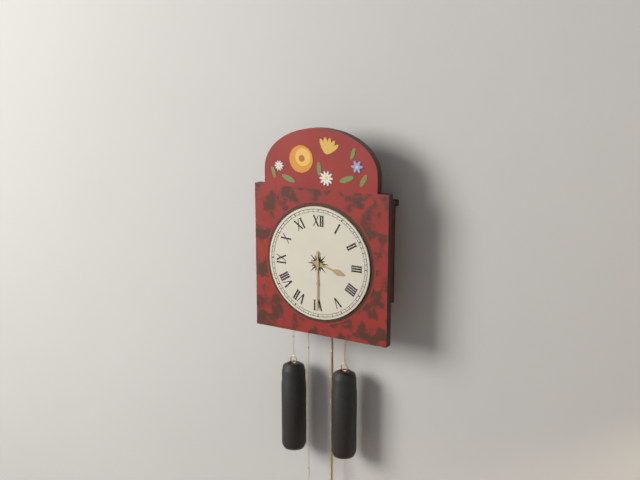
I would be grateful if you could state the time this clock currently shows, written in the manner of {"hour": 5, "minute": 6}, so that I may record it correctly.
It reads {"hour": 3, "minute": 30}
